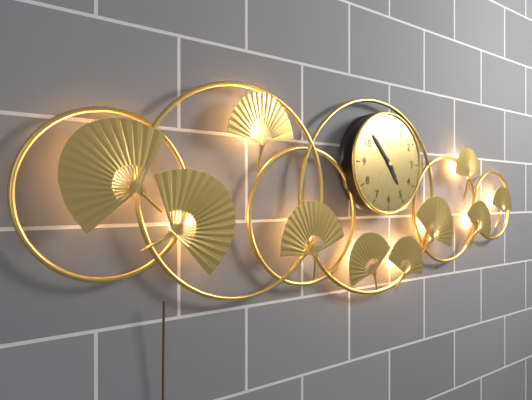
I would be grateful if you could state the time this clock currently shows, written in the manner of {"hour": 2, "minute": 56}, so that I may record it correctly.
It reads {"hour": 4, "minute": 53}
